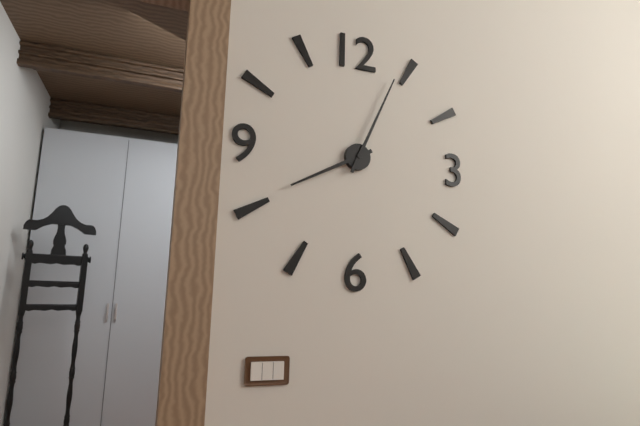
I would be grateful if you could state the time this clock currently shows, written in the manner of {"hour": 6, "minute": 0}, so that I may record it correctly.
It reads {"hour": 8, "minute": 4}
